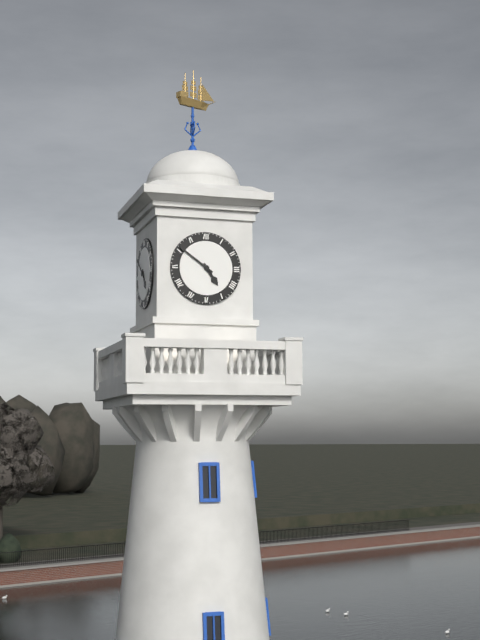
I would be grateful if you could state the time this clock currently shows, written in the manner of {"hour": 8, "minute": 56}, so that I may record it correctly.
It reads {"hour": 4, "minute": 51}
